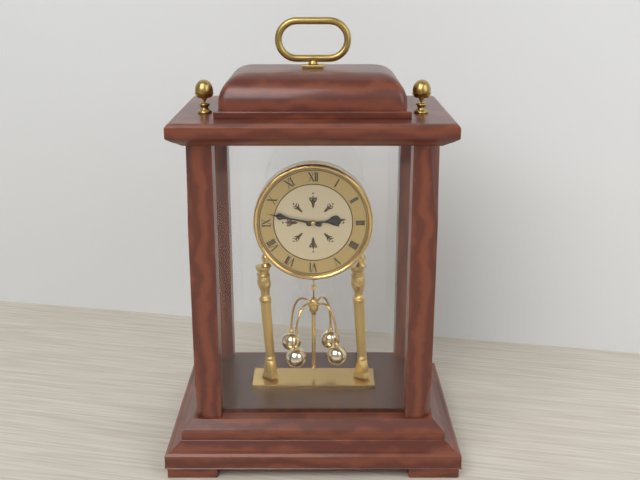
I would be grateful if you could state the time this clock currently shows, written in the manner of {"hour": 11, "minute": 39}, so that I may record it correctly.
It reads {"hour": 2, "minute": 47}
